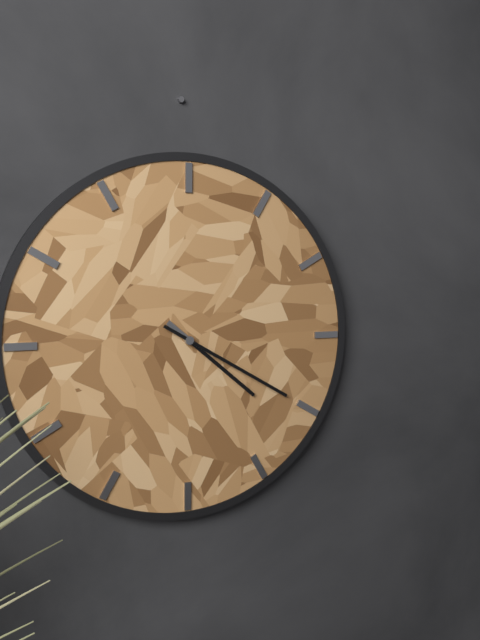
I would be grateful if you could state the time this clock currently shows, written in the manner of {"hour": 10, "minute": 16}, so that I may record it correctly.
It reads {"hour": 4, "minute": 20}
